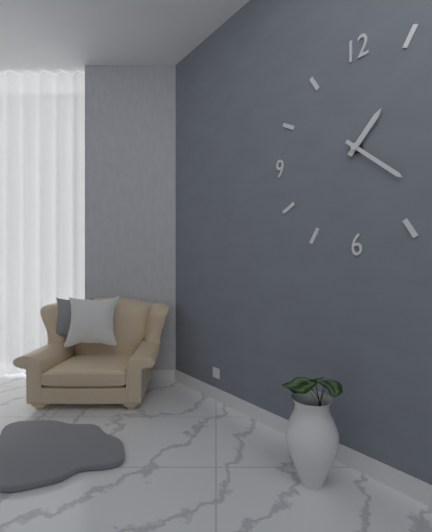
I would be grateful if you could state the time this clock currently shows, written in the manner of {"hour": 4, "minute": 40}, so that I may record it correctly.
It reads {"hour": 1, "minute": 22}
